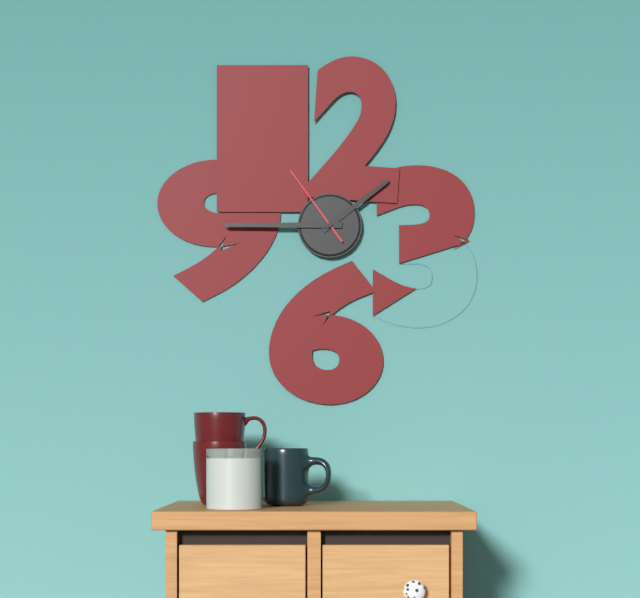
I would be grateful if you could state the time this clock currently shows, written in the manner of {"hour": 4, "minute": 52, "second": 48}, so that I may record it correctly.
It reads {"hour": 1, "minute": 45, "second": 54}
